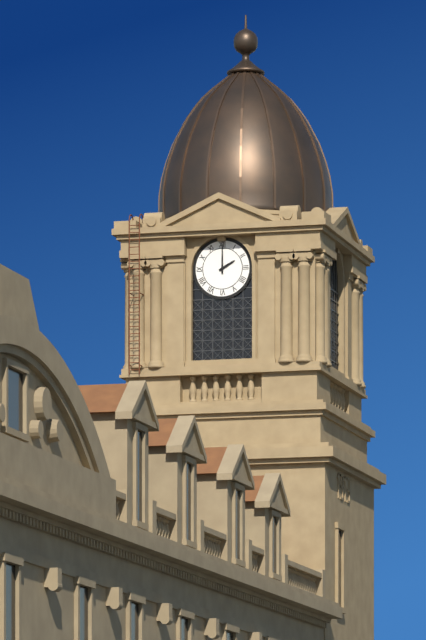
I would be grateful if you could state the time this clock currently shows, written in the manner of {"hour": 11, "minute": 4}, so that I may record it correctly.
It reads {"hour": 2, "minute": 0}
